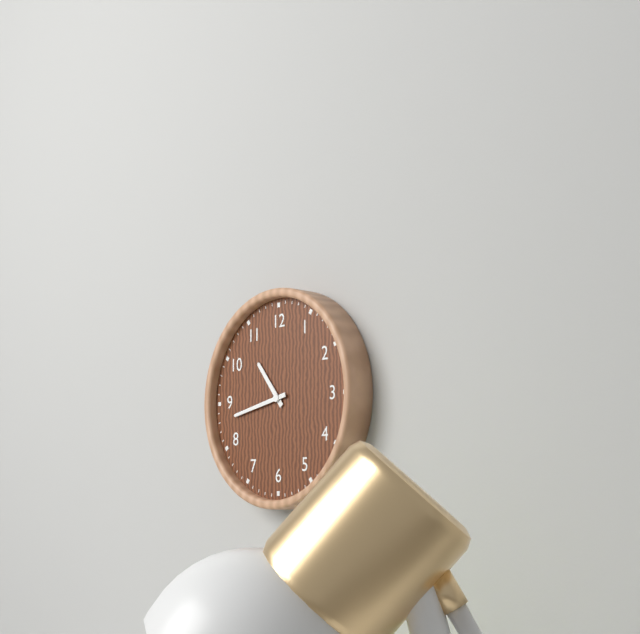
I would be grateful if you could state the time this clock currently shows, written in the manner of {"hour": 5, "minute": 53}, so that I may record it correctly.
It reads {"hour": 10, "minute": 43}
